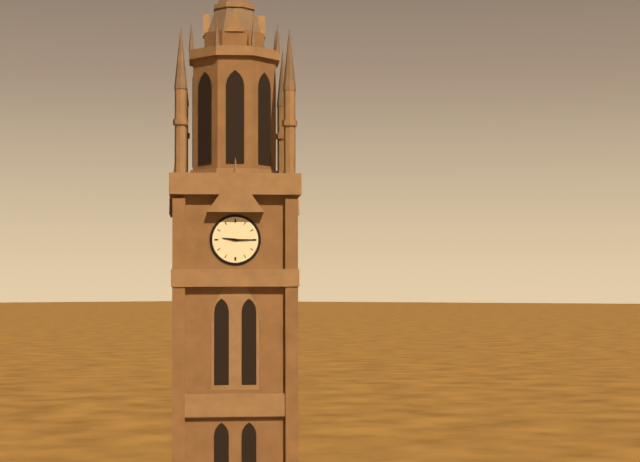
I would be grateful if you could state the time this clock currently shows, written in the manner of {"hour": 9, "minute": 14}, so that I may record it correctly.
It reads {"hour": 9, "minute": 15}
